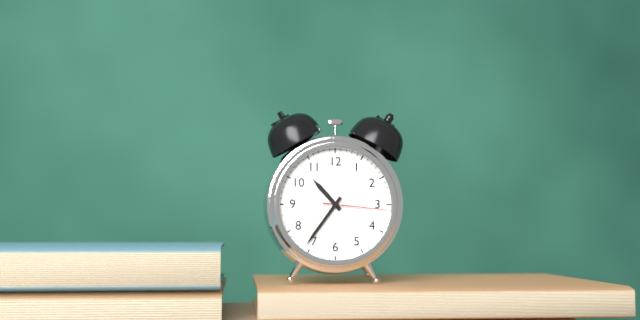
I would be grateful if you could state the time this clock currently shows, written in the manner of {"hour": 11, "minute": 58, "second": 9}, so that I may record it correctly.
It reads {"hour": 10, "minute": 36, "second": 16}
